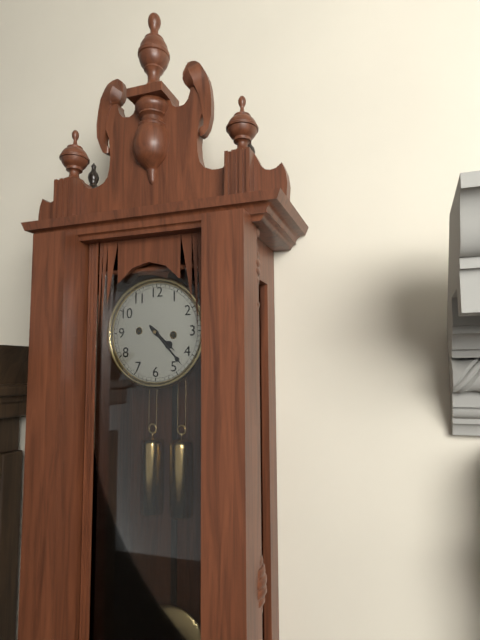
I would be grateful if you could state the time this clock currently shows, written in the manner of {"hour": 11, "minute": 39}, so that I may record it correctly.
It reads {"hour": 4, "minute": 23}
